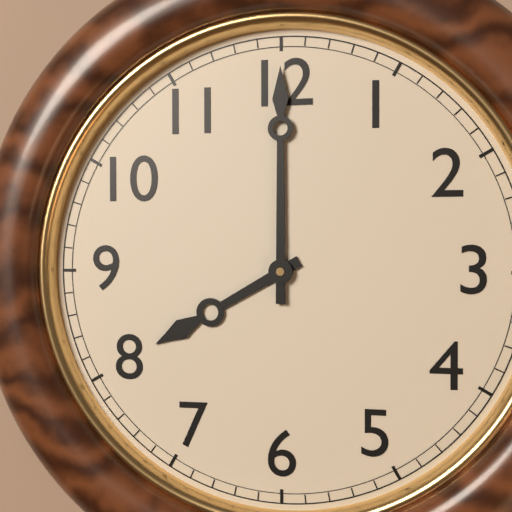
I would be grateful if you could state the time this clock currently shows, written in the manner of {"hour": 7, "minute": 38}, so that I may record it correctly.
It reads {"hour": 8, "minute": 0}
